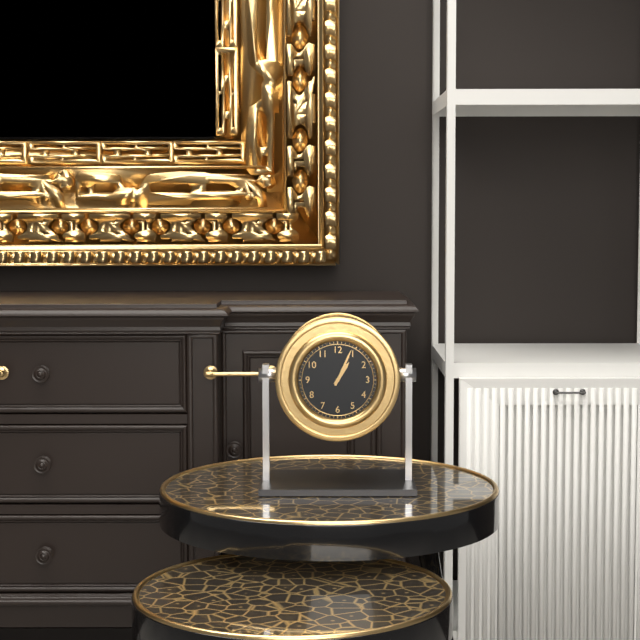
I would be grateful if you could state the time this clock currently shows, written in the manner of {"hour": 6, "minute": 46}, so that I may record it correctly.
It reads {"hour": 1, "minute": 4}
